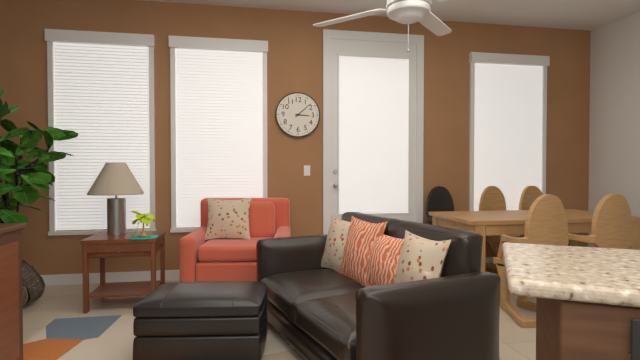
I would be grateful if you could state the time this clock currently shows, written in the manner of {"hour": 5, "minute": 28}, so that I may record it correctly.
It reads {"hour": 3, "minute": 8}
